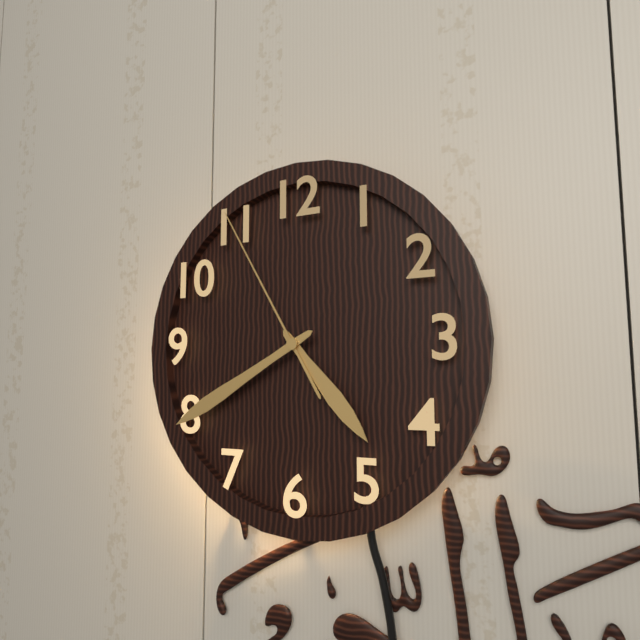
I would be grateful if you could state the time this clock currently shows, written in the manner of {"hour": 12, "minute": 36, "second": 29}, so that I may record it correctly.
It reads {"hour": 4, "minute": 40, "second": 55}
